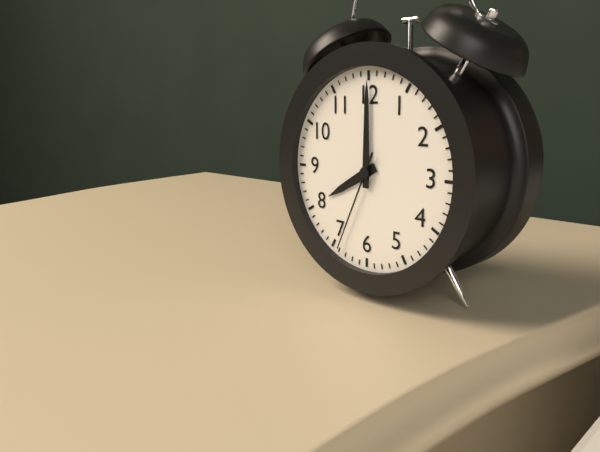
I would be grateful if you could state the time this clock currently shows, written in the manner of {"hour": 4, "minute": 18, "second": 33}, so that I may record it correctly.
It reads {"hour": 8, "minute": 0, "second": 34}
